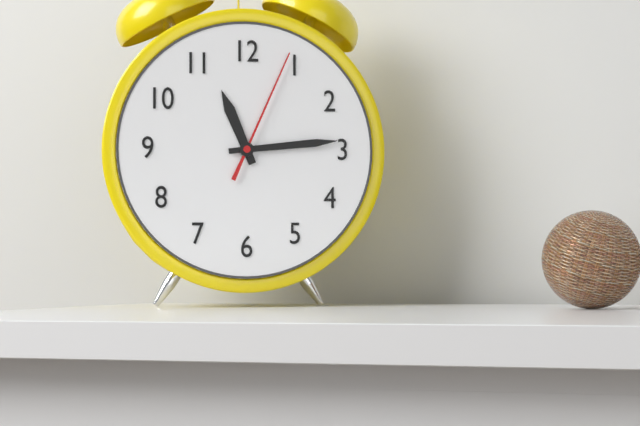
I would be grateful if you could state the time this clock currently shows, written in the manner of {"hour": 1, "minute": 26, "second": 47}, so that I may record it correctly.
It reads {"hour": 11, "minute": 14, "second": 4}
